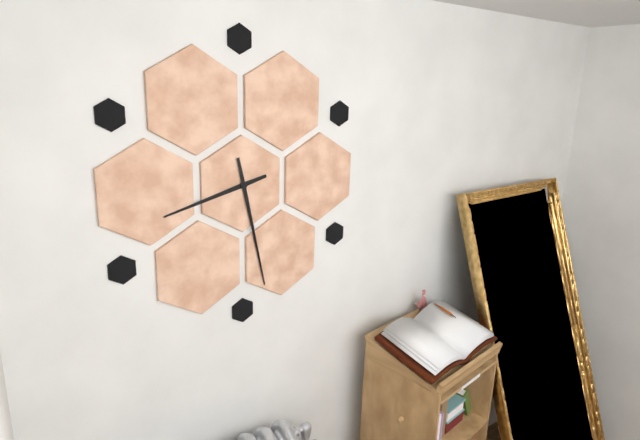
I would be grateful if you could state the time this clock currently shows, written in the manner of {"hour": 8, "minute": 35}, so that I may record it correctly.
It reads {"hour": 8, "minute": 28}
